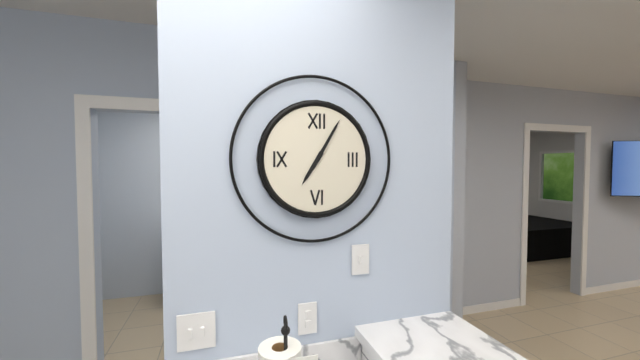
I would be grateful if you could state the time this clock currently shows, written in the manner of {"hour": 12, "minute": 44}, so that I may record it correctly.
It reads {"hour": 7, "minute": 5}
